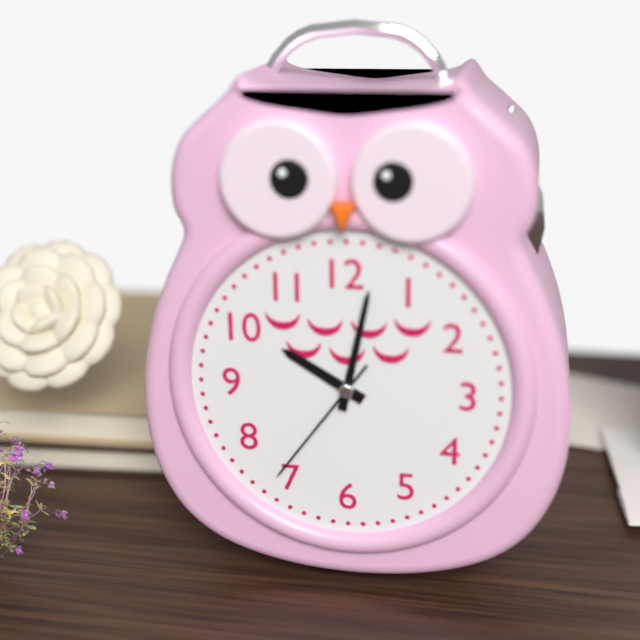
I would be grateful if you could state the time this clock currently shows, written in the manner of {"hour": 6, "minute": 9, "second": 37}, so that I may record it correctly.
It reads {"hour": 10, "minute": 2, "second": 36}
